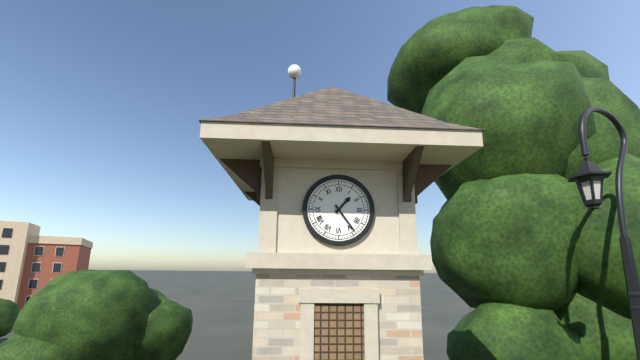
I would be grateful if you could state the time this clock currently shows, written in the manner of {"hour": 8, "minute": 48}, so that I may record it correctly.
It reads {"hour": 1, "minute": 24}
